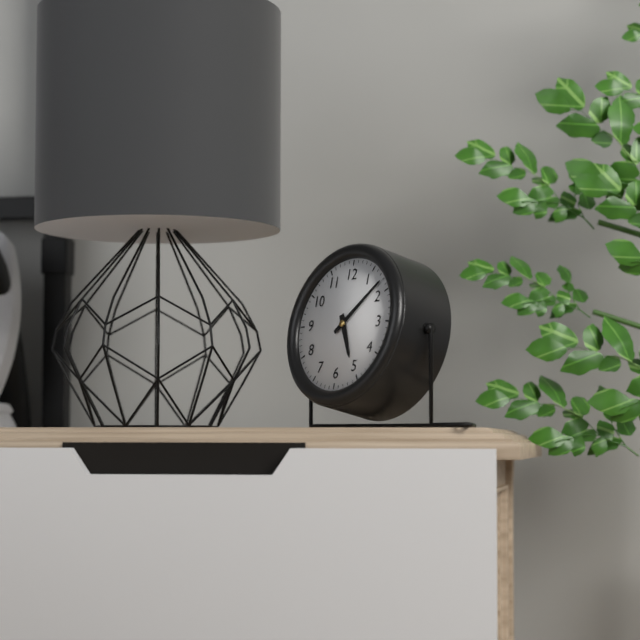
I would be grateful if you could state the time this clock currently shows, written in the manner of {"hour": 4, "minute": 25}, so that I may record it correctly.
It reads {"hour": 5, "minute": 8}
